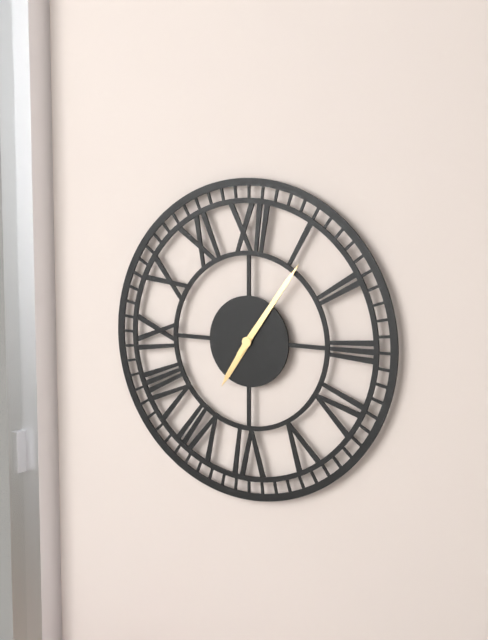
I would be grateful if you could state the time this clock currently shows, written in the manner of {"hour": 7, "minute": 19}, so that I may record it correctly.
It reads {"hour": 7, "minute": 6}
